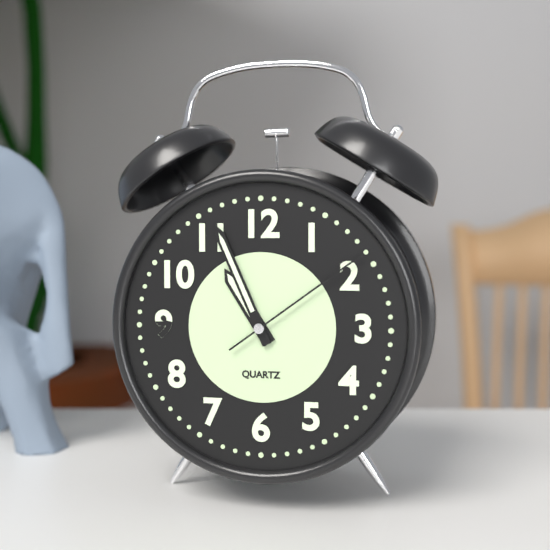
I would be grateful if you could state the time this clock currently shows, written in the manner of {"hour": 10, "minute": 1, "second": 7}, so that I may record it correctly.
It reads {"hour": 10, "minute": 56, "second": 9}
